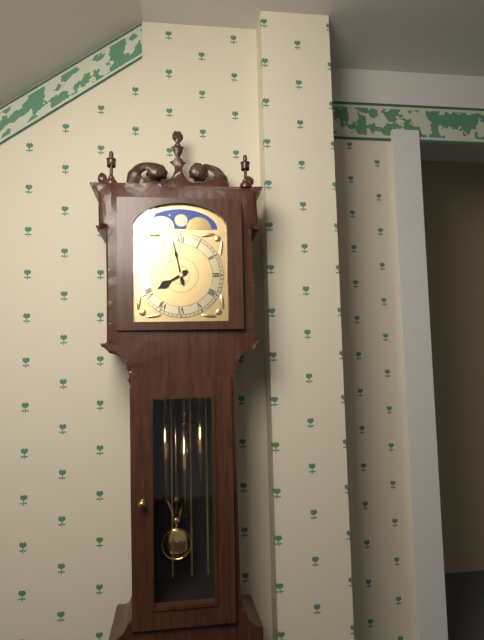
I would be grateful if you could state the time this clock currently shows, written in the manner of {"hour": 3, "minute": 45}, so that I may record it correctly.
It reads {"hour": 7, "minute": 58}
